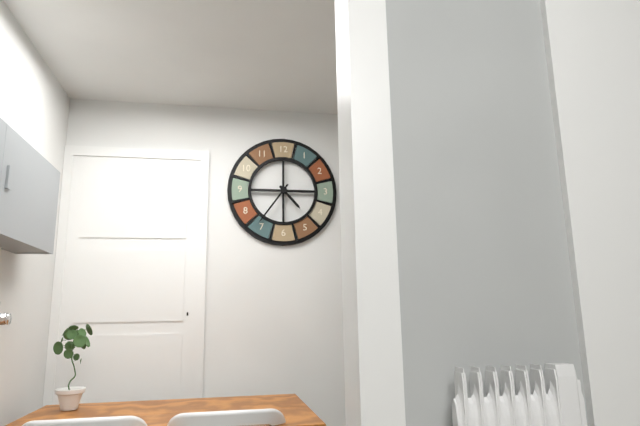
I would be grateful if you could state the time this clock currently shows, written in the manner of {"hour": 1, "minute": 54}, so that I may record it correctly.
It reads {"hour": 4, "minute": 36}
